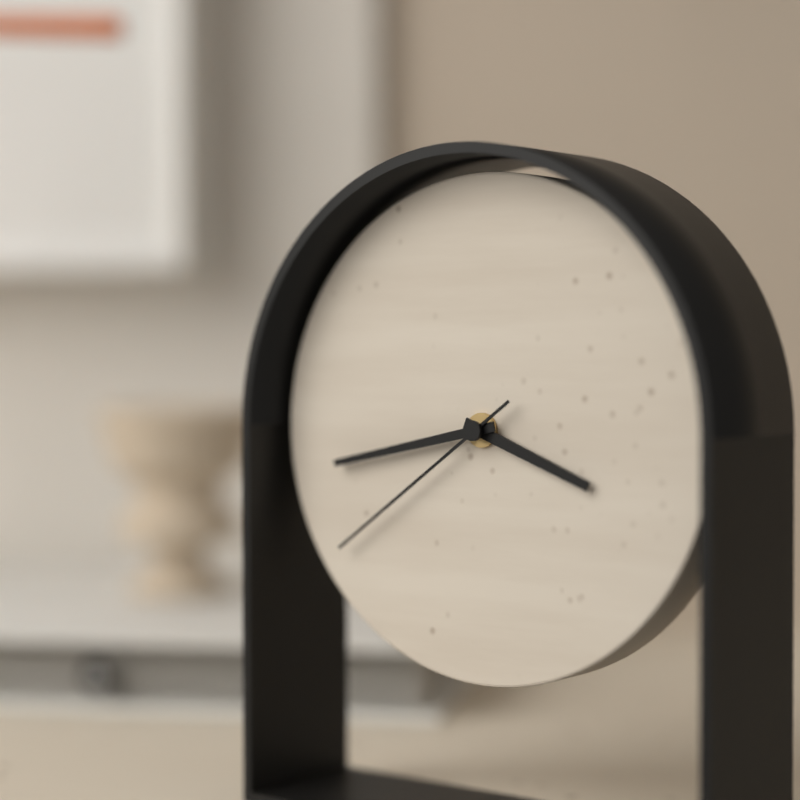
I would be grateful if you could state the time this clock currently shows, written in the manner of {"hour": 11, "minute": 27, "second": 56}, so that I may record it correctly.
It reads {"hour": 3, "minute": 43, "second": 39}
